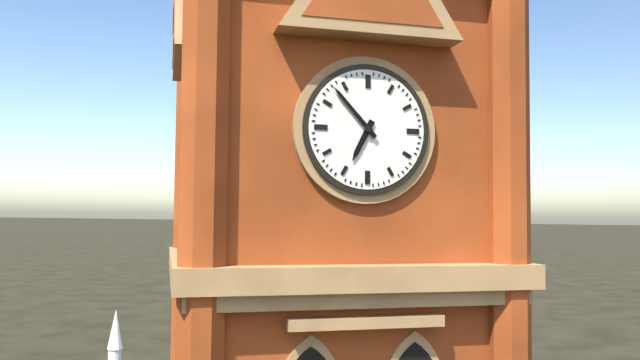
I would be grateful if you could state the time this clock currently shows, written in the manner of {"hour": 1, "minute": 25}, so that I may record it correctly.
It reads {"hour": 6, "minute": 53}
